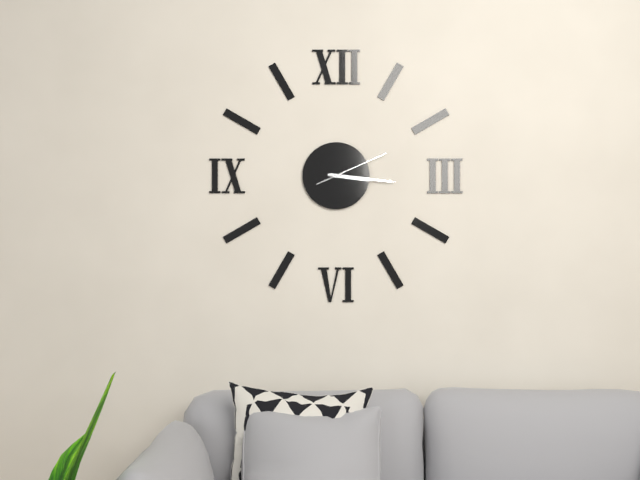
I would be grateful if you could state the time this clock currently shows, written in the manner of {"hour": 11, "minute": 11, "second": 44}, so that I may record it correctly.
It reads {"hour": 3, "minute": 16, "second": 11}
